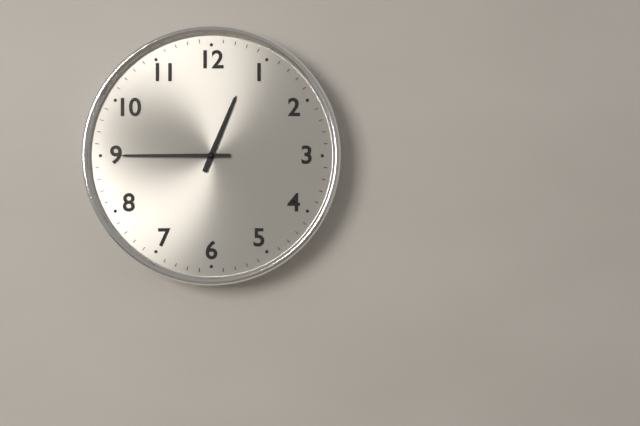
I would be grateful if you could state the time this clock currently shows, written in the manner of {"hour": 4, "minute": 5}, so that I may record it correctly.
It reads {"hour": 12, "minute": 45}
